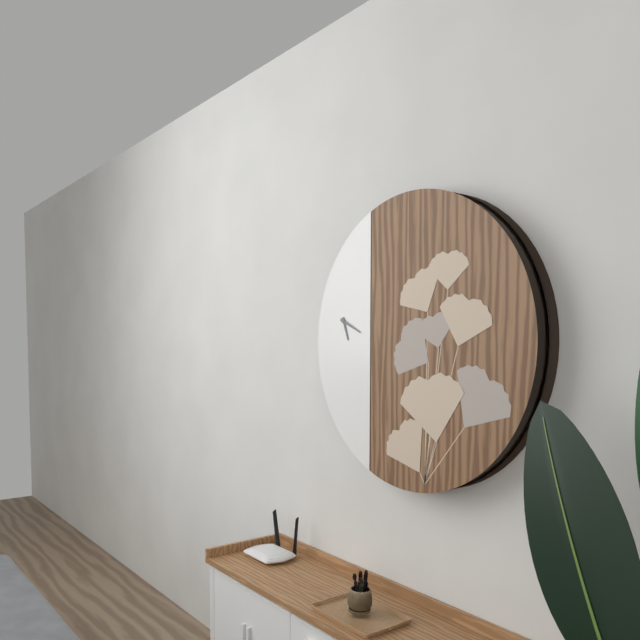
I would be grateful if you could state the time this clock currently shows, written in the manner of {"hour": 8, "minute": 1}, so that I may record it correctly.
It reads {"hour": 5, "minute": 19}
